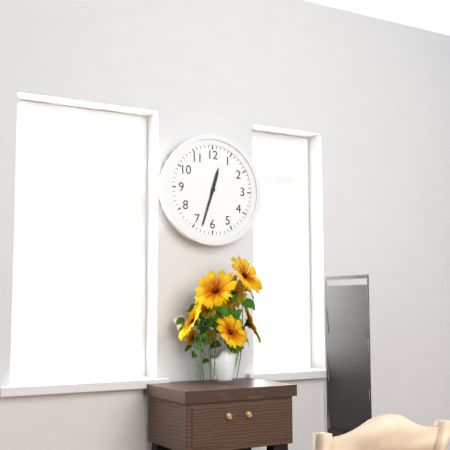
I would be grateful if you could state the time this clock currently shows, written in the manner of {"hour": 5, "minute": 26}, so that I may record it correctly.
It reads {"hour": 12, "minute": 33}
